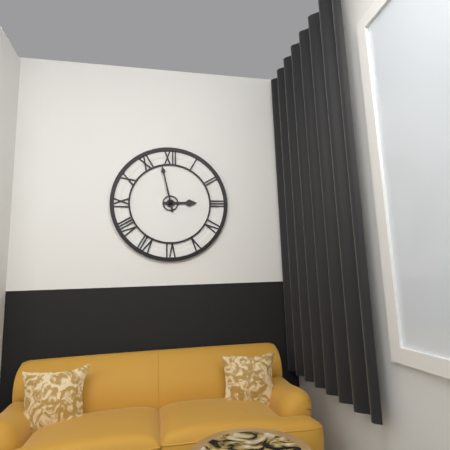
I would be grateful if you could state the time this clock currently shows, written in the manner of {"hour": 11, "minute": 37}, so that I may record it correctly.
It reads {"hour": 2, "minute": 58}
